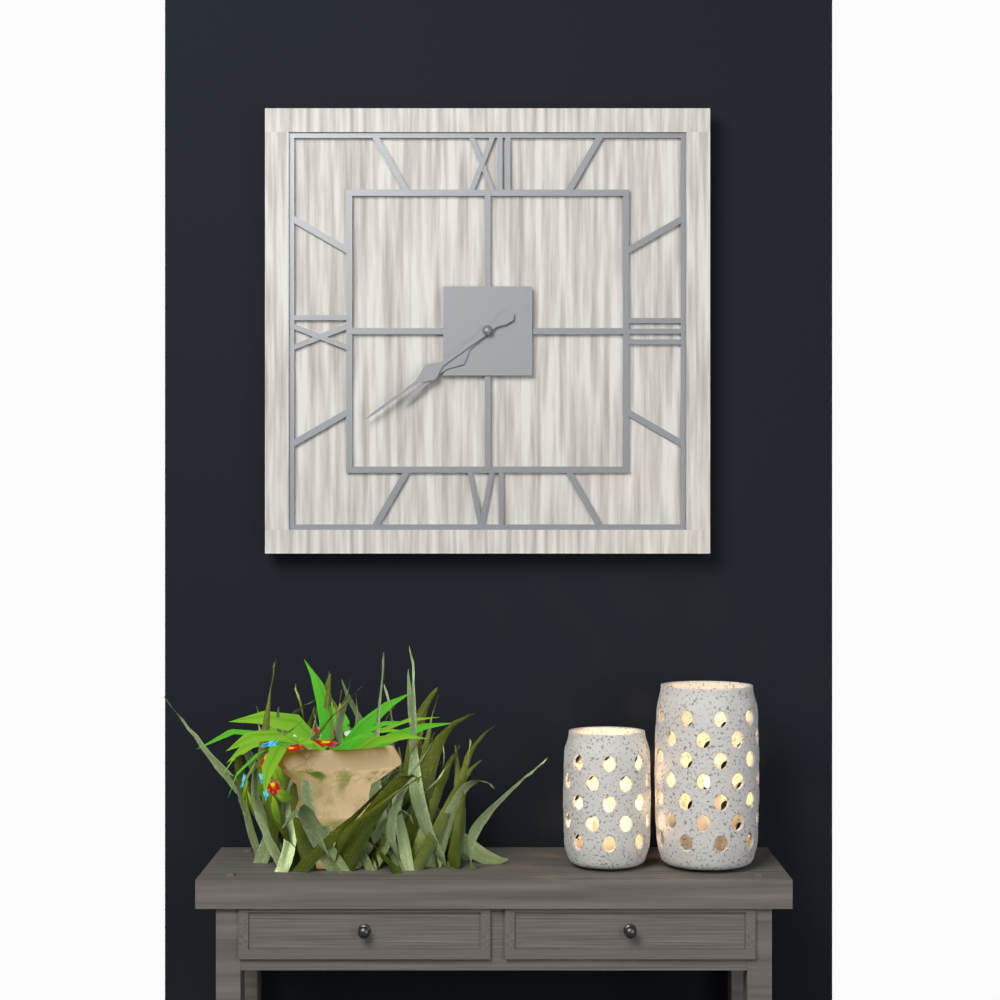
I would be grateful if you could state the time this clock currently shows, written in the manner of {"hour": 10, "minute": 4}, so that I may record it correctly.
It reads {"hour": 7, "minute": 39}
